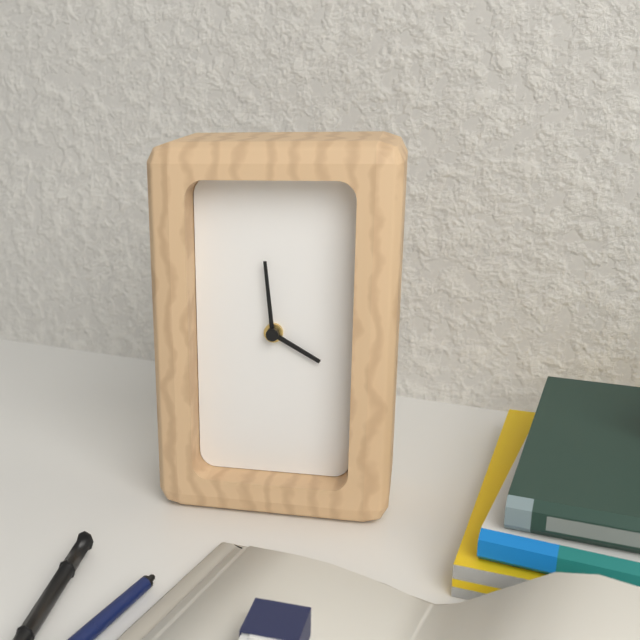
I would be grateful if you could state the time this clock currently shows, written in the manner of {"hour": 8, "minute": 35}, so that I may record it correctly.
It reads {"hour": 3, "minute": 59}
